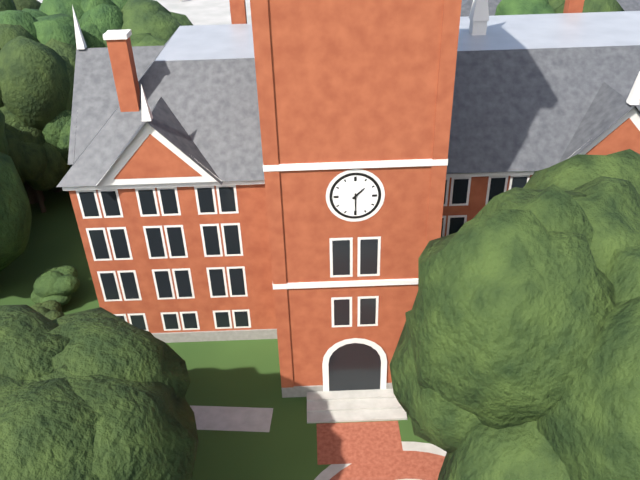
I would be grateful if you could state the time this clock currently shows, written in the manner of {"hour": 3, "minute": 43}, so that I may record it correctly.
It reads {"hour": 1, "minute": 30}
